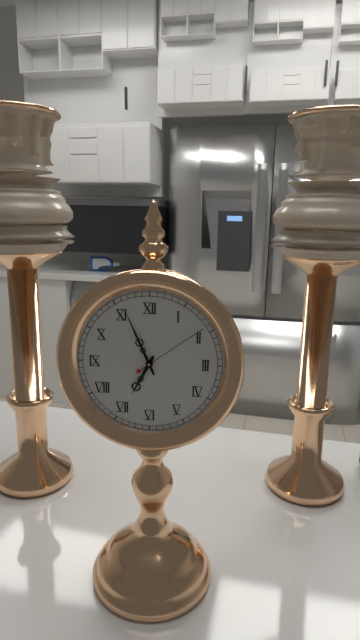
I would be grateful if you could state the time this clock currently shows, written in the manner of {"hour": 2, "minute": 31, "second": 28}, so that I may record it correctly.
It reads {"hour": 6, "minute": 56, "second": 9}
